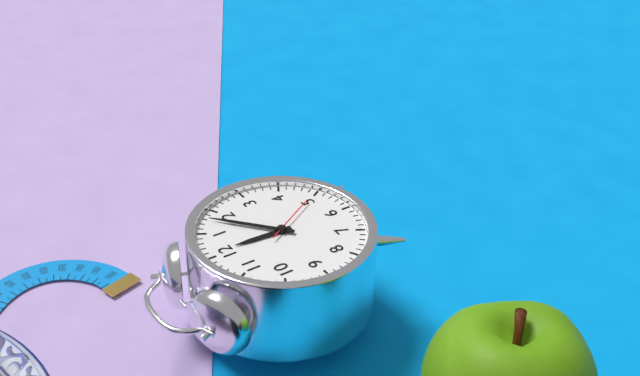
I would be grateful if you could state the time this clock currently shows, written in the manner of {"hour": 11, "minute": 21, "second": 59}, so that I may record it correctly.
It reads {"hour": 12, "minute": 8, "second": 25}
